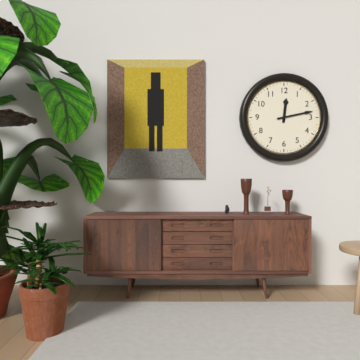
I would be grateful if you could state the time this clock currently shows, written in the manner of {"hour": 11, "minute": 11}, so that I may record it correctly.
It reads {"hour": 12, "minute": 13}
